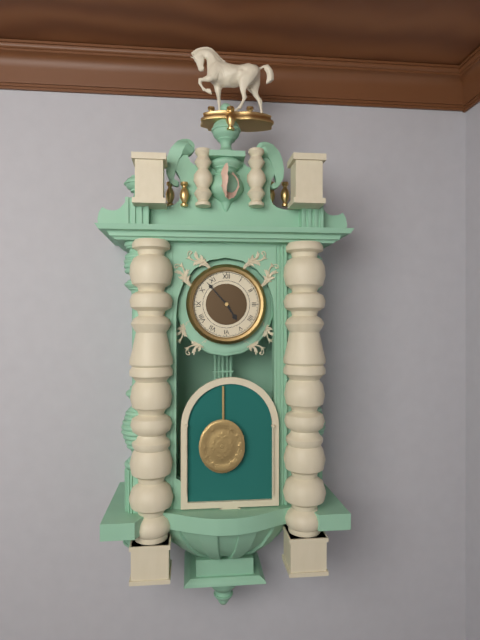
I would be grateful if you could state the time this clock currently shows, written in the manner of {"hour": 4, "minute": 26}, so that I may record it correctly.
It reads {"hour": 4, "minute": 53}
